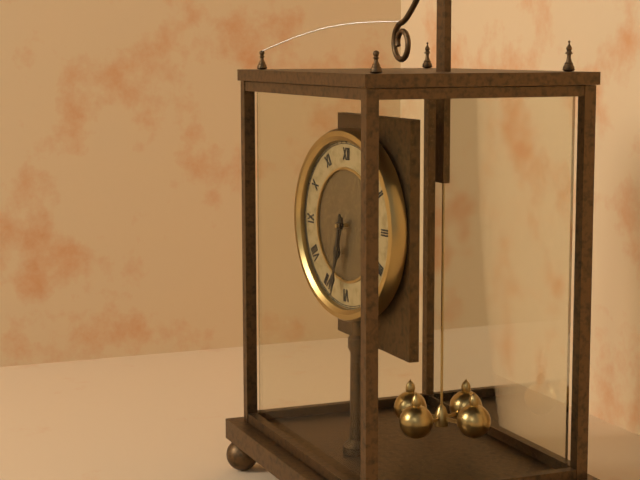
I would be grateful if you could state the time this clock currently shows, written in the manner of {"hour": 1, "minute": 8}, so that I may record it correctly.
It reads {"hour": 6, "minute": 32}
